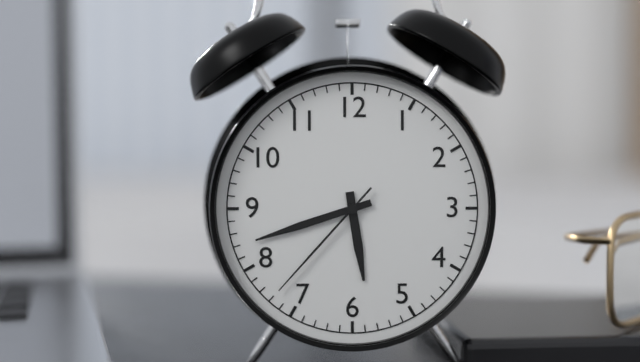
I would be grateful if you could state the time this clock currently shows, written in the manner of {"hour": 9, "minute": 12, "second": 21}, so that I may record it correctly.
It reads {"hour": 5, "minute": 42, "second": 37}
